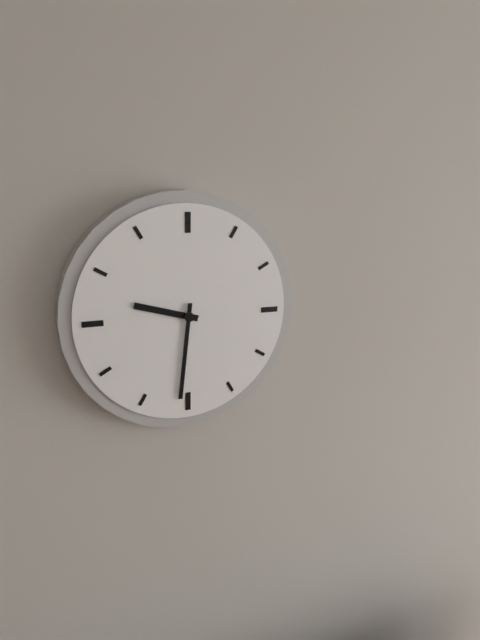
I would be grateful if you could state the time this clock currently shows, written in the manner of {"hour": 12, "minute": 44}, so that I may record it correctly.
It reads {"hour": 9, "minute": 31}
